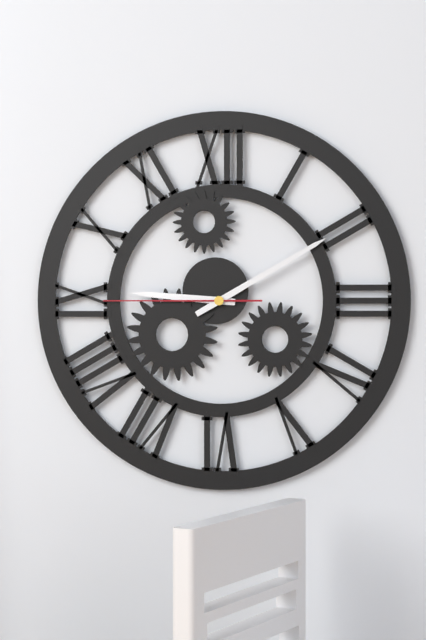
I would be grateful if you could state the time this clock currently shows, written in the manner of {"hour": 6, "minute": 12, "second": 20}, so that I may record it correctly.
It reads {"hour": 9, "minute": 10, "second": 45}
